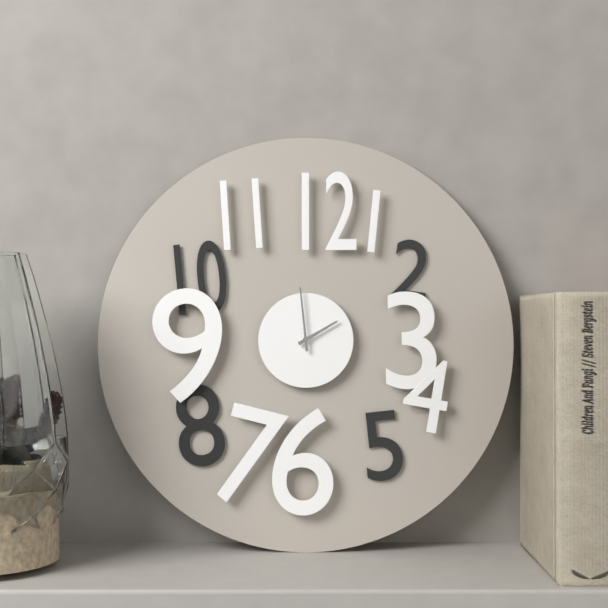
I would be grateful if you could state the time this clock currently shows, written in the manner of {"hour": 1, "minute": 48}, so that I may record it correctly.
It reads {"hour": 1, "minute": 59}
